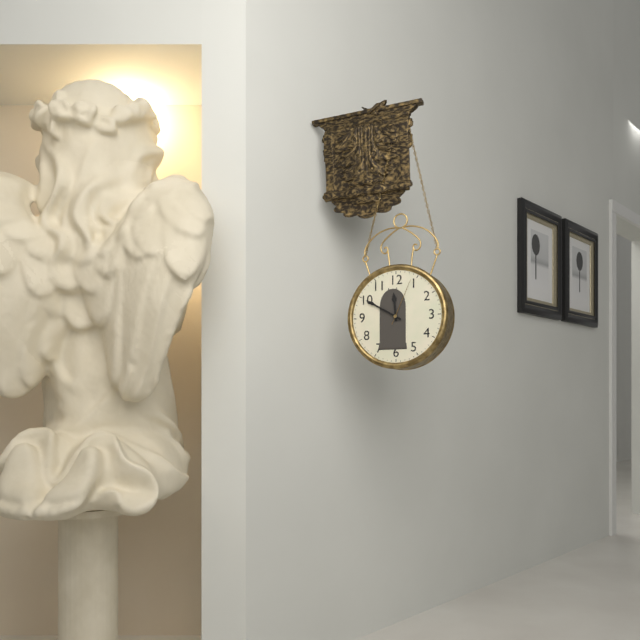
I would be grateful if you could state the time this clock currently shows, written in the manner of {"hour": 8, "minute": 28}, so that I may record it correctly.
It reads {"hour": 11, "minute": 50}
